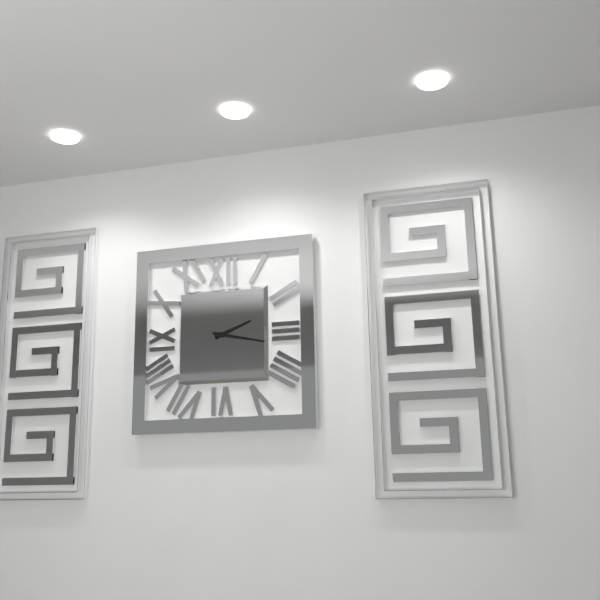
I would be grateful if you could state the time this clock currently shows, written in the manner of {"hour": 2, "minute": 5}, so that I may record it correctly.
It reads {"hour": 2, "minute": 17}
